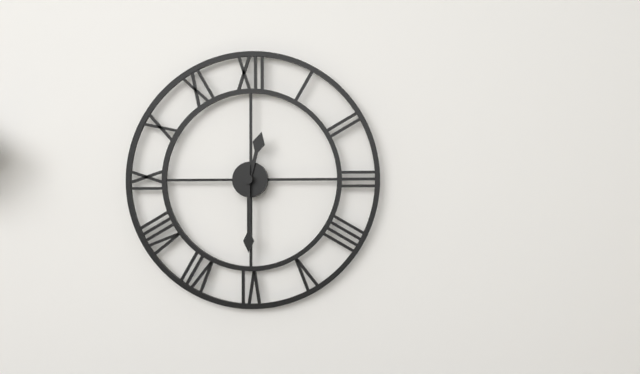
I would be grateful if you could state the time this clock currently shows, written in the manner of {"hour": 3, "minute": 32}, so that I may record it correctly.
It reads {"hour": 12, "minute": 30}
